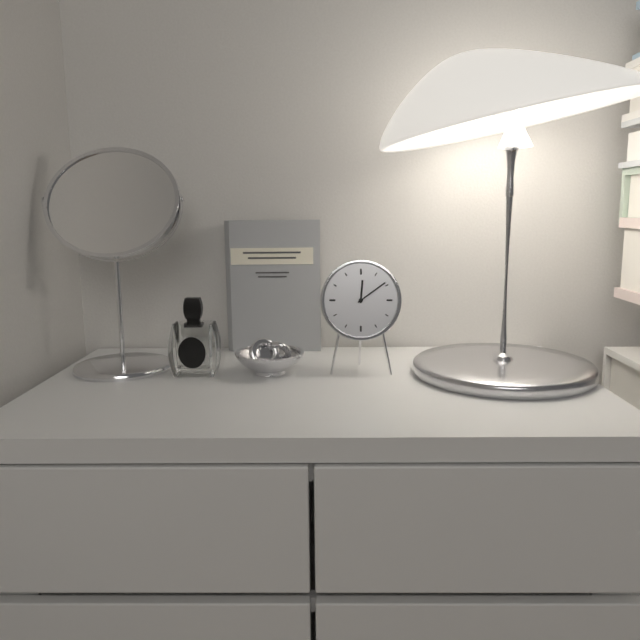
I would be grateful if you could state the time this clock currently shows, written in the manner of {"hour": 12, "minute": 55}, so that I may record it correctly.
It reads {"hour": 12, "minute": 9}
